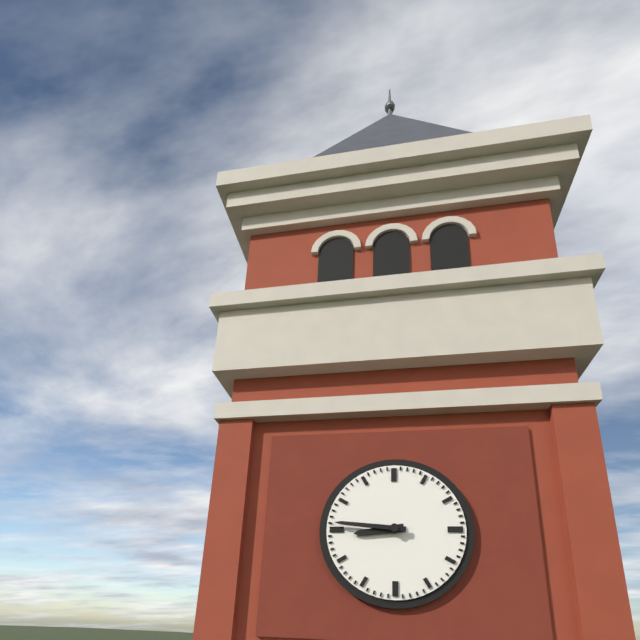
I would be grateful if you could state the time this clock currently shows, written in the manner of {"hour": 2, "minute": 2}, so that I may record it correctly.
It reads {"hour": 8, "minute": 46}
